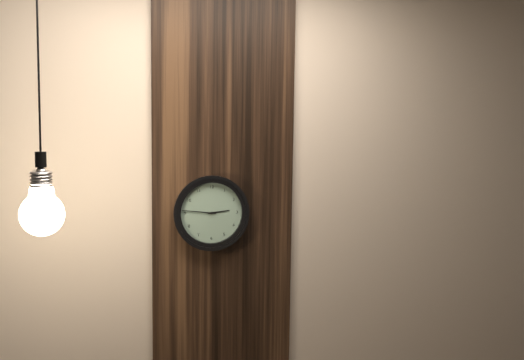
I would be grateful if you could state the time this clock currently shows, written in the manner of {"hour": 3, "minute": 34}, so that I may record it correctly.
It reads {"hour": 2, "minute": 46}
